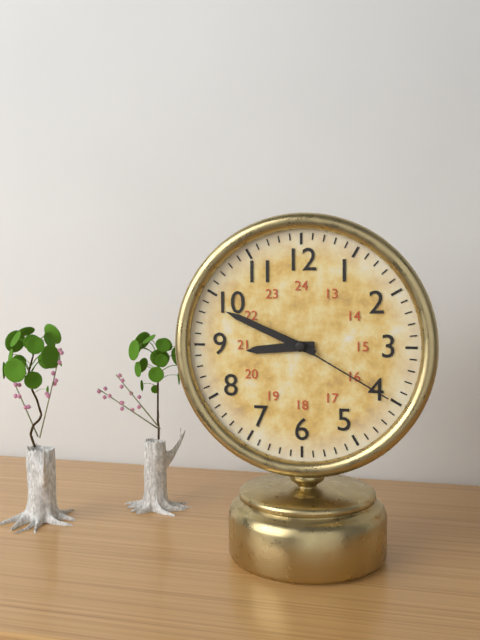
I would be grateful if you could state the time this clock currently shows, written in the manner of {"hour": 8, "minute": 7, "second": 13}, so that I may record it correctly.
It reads {"hour": 8, "minute": 49, "second": 20}
